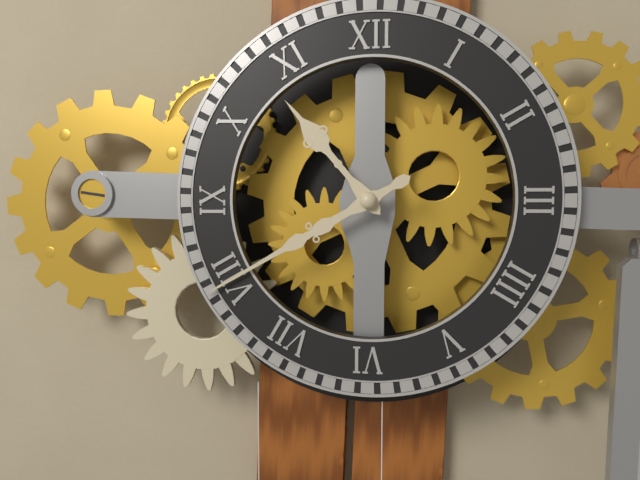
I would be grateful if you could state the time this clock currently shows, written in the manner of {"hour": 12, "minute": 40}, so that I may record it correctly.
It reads {"hour": 10, "minute": 40}
